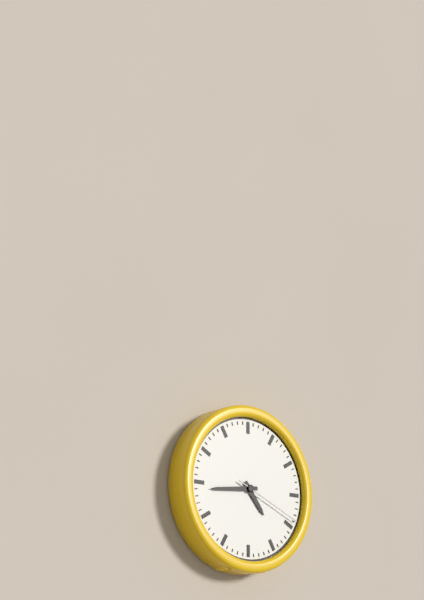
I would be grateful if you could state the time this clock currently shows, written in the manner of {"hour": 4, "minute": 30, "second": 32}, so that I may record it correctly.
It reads {"hour": 4, "minute": 44, "second": 19}
